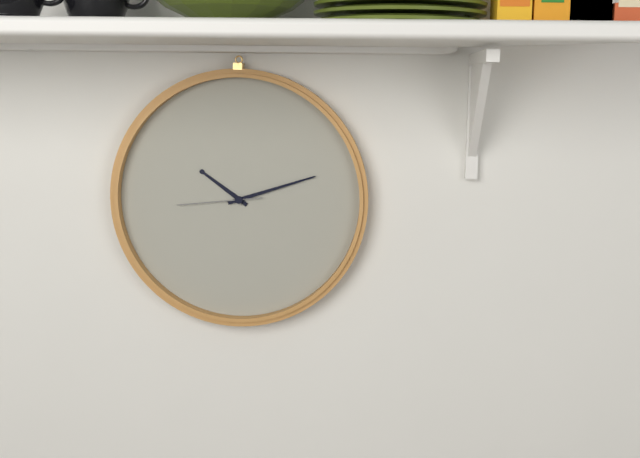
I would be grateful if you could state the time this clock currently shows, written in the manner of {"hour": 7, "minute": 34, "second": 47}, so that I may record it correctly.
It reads {"hour": 10, "minute": 12, "second": 44}
